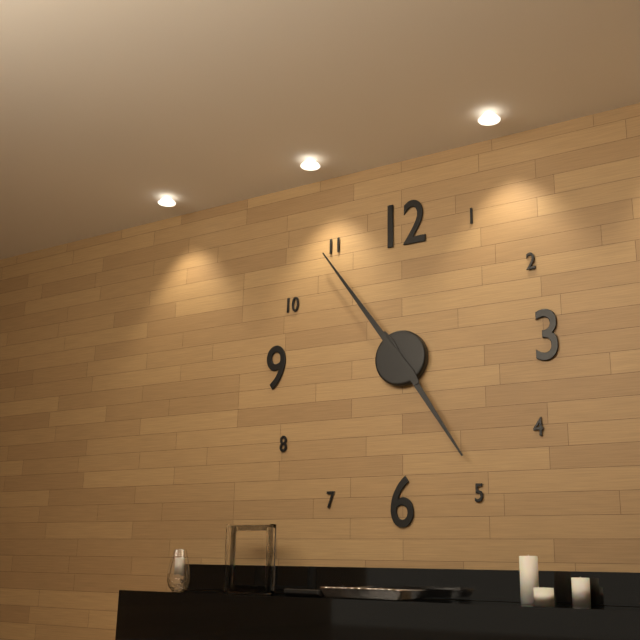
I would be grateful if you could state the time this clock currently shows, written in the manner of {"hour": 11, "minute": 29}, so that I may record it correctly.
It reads {"hour": 4, "minute": 54}
